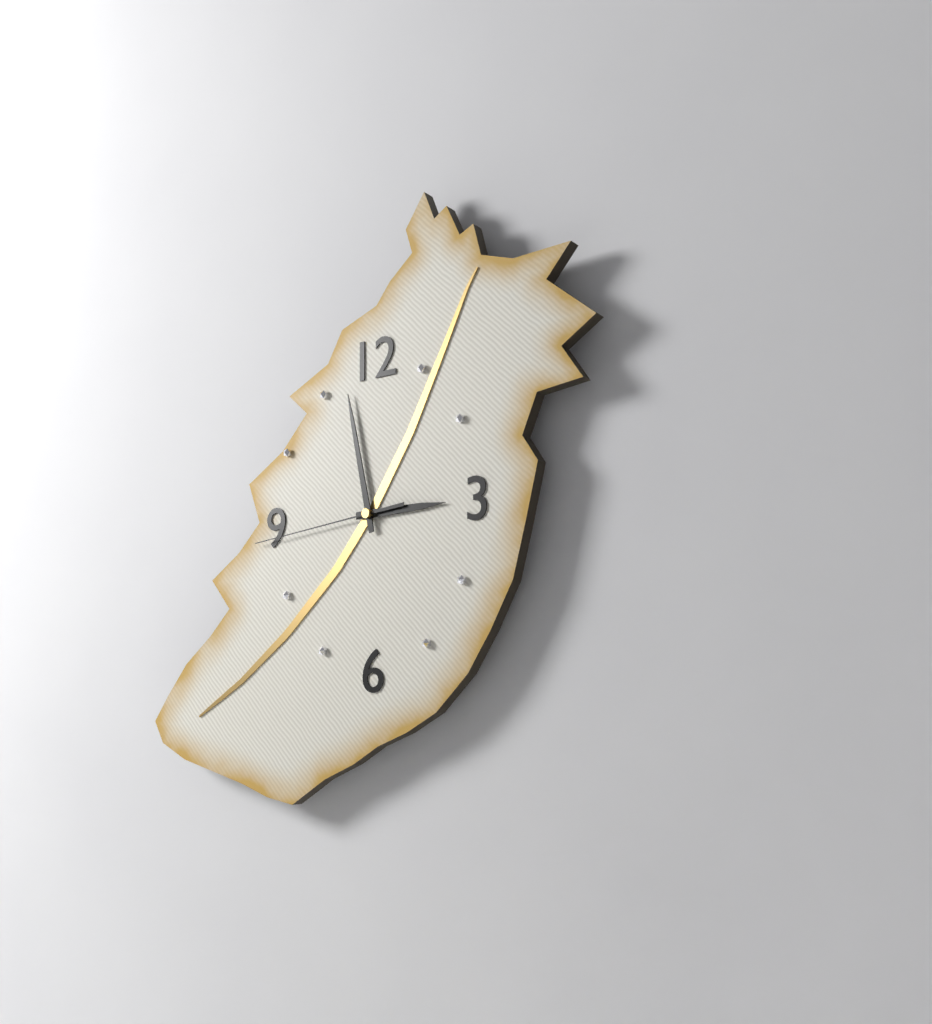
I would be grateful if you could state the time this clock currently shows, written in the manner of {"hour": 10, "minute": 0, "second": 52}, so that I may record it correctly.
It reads {"hour": 2, "minute": 58, "second": 44}
